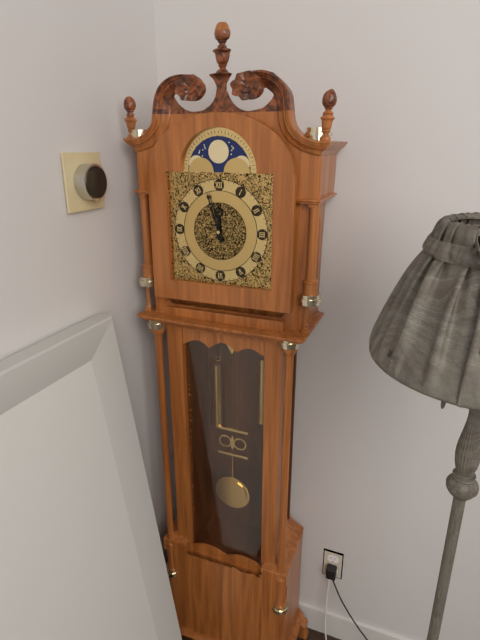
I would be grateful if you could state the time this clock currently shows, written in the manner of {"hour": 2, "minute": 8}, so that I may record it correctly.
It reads {"hour": 11, "minute": 57}
